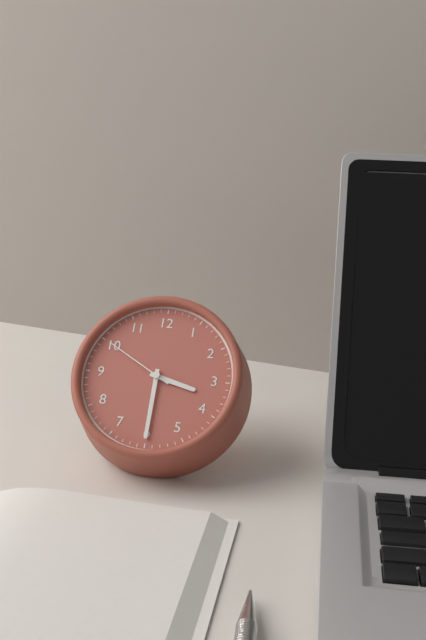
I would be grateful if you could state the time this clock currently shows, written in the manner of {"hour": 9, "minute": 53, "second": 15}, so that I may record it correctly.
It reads {"hour": 3, "minute": 30, "second": 50}
